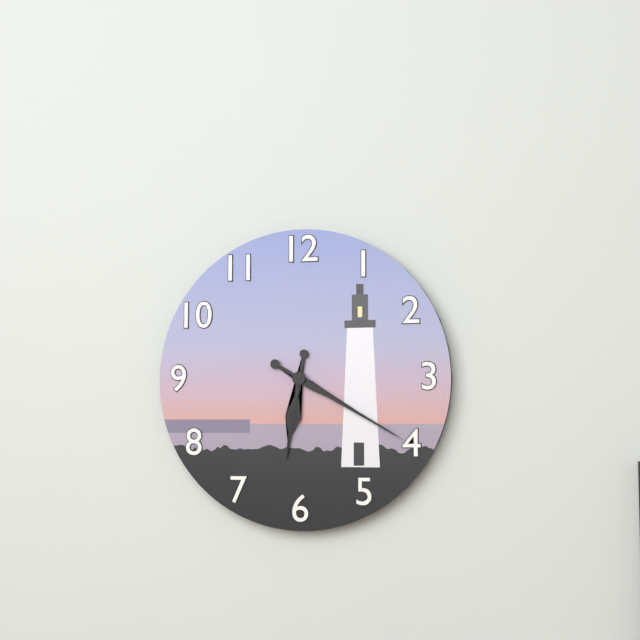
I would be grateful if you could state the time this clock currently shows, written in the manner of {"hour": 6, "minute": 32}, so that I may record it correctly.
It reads {"hour": 6, "minute": 20}
